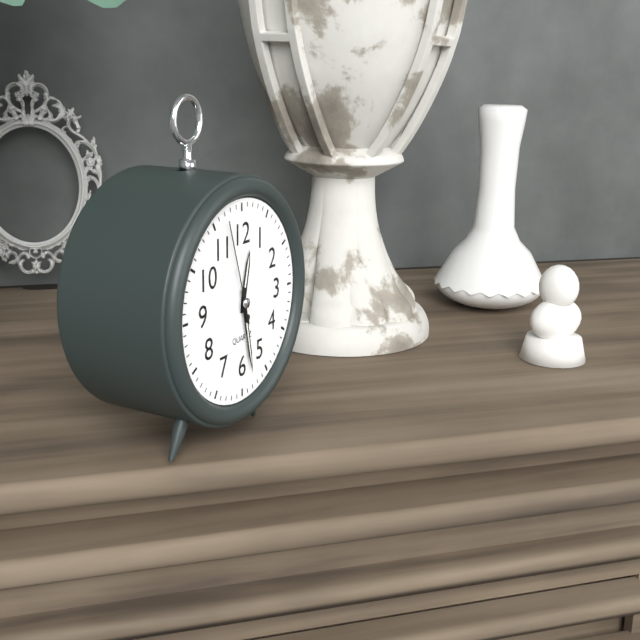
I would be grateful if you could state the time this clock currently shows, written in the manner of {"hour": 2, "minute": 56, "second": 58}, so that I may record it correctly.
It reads {"hour": 12, "minute": 28, "second": 57}
